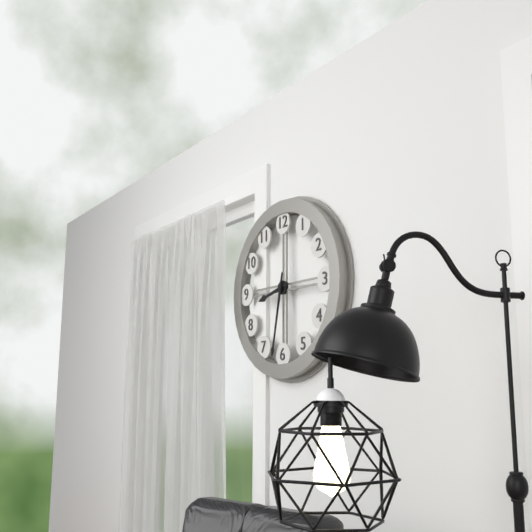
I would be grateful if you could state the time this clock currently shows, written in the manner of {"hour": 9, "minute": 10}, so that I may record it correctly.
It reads {"hour": 8, "minute": 32}
